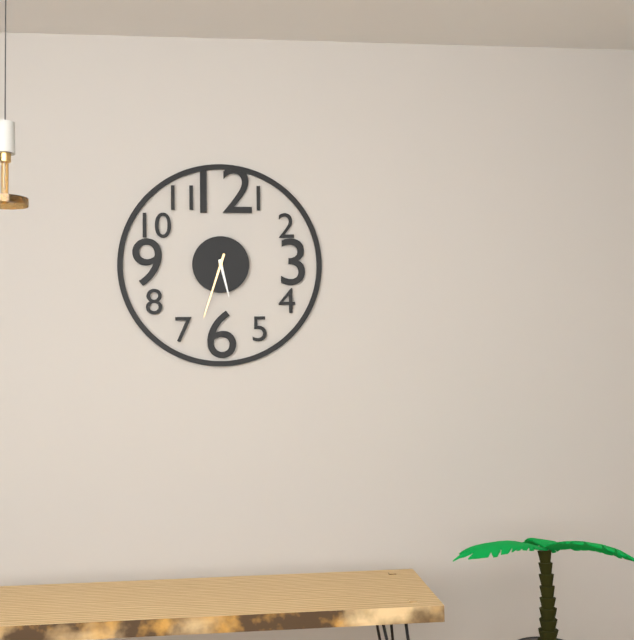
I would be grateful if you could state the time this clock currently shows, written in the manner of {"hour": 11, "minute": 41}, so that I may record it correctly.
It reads {"hour": 5, "minute": 33}
